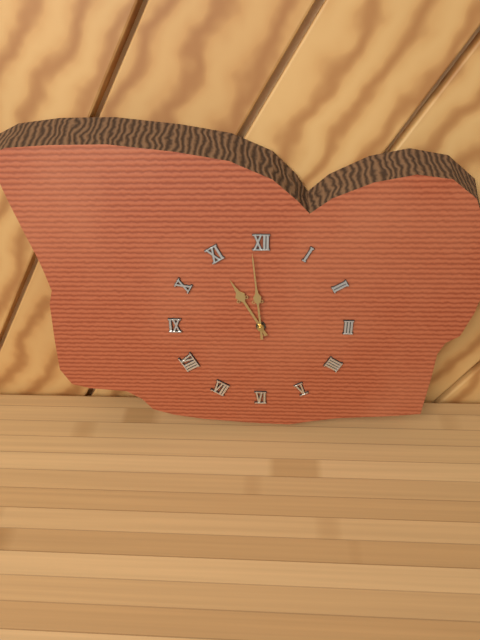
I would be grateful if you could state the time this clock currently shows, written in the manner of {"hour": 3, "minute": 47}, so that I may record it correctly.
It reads {"hour": 10, "minute": 59}
